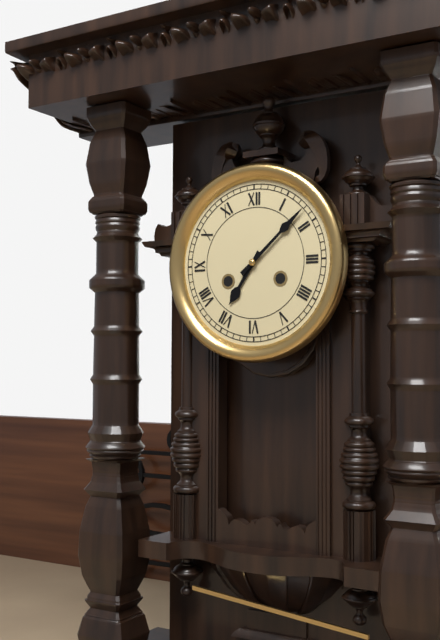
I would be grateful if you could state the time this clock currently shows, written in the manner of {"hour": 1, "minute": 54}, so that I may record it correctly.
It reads {"hour": 7, "minute": 8}
